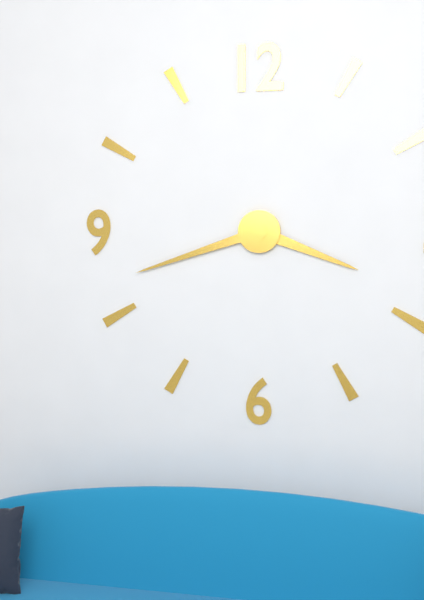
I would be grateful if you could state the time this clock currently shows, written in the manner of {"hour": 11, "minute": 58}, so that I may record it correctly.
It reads {"hour": 3, "minute": 42}
